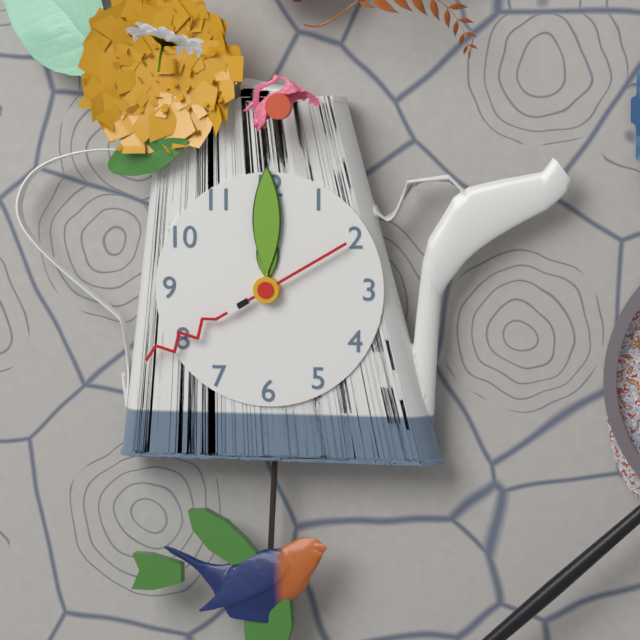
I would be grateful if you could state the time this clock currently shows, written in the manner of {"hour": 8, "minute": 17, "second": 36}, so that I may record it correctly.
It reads {"hour": 12, "minute": 0, "second": 40}
